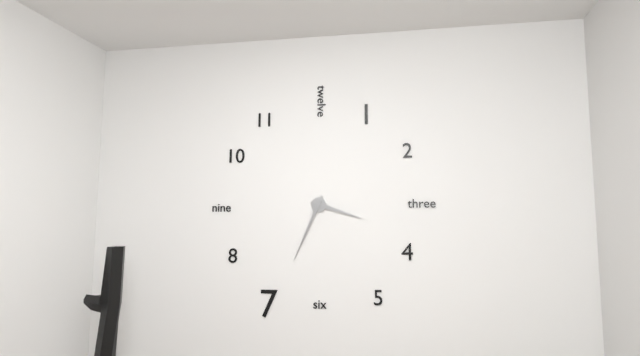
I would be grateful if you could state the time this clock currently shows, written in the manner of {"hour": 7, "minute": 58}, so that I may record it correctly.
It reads {"hour": 3, "minute": 34}
